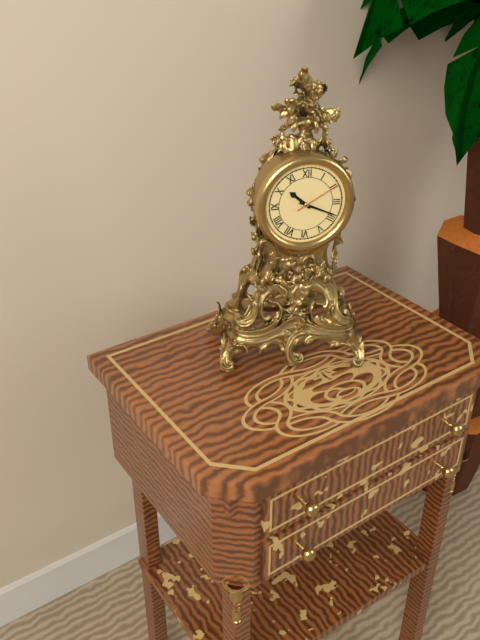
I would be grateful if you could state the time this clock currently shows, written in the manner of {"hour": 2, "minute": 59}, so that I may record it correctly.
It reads {"hour": 10, "minute": 19}
